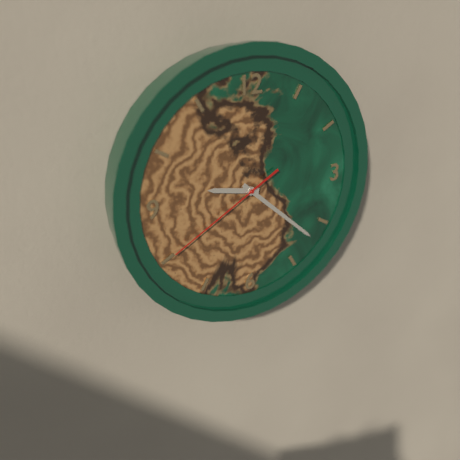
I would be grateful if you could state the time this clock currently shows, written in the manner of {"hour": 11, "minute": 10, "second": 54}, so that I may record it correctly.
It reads {"hour": 9, "minute": 22, "second": 40}
